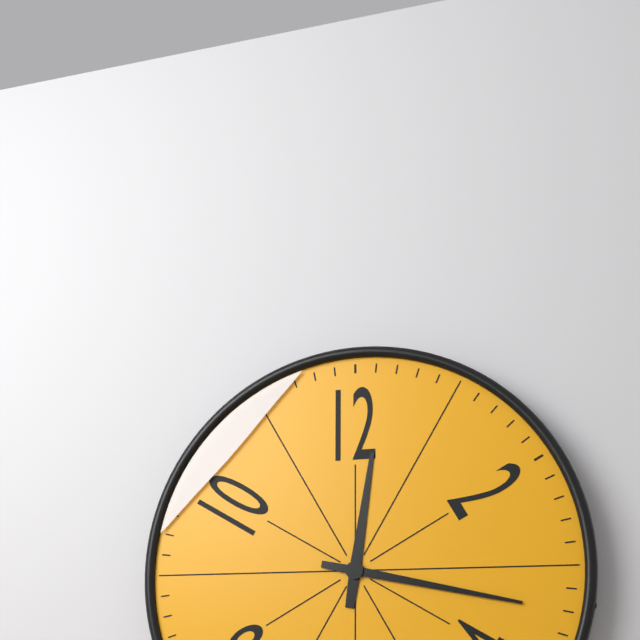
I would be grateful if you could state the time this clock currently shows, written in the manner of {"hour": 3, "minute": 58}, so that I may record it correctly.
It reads {"hour": 12, "minute": 17}
